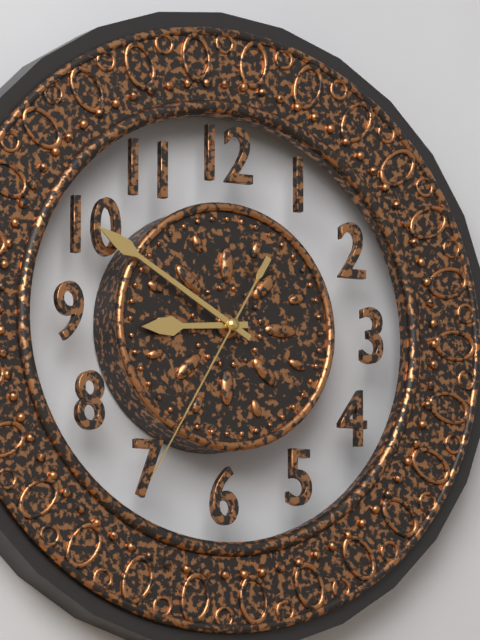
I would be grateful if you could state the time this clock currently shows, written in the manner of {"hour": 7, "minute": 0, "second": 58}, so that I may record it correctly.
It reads {"hour": 8, "minute": 50, "second": 35}
